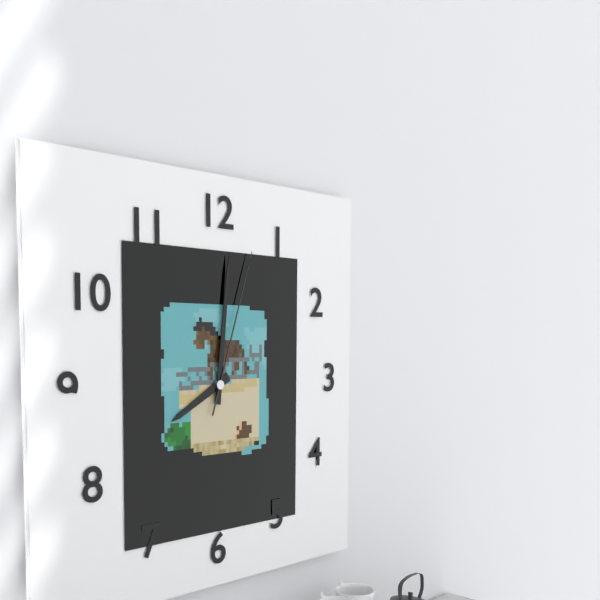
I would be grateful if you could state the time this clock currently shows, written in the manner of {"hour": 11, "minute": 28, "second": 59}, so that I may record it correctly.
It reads {"hour": 8, "minute": 1, "second": 3}
